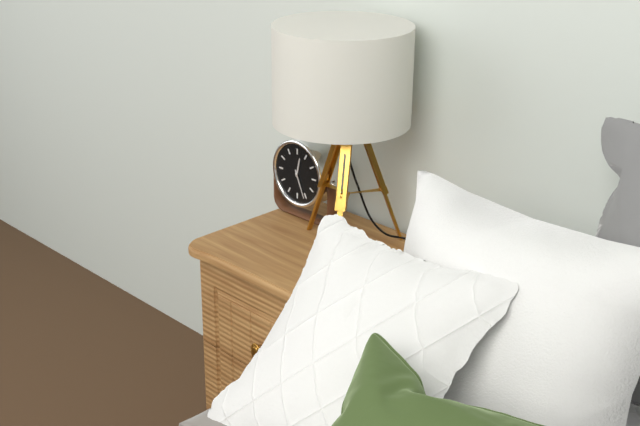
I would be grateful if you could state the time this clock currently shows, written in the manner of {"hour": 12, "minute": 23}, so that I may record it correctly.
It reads {"hour": 12, "minute": 26}
